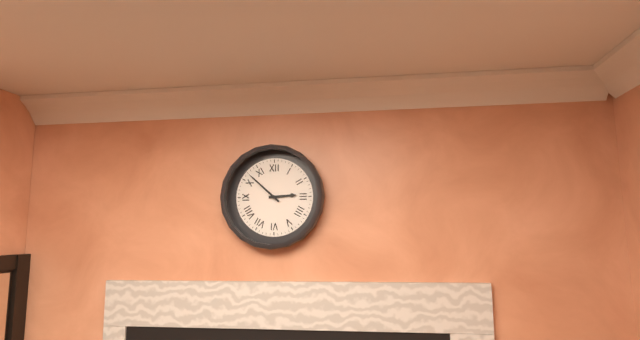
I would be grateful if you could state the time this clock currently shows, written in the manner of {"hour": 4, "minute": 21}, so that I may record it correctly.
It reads {"hour": 2, "minute": 52}
